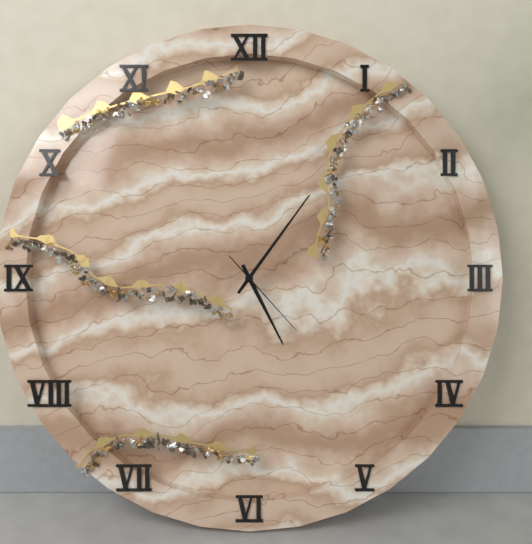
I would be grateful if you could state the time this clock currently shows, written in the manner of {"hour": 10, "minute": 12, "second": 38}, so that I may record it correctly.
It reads {"hour": 5, "minute": 6, "second": 23}
